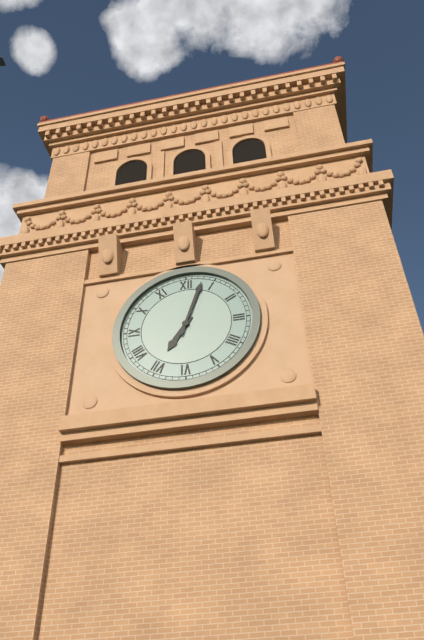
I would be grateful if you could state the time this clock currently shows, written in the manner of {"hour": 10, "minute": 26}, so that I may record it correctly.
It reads {"hour": 7, "minute": 3}
